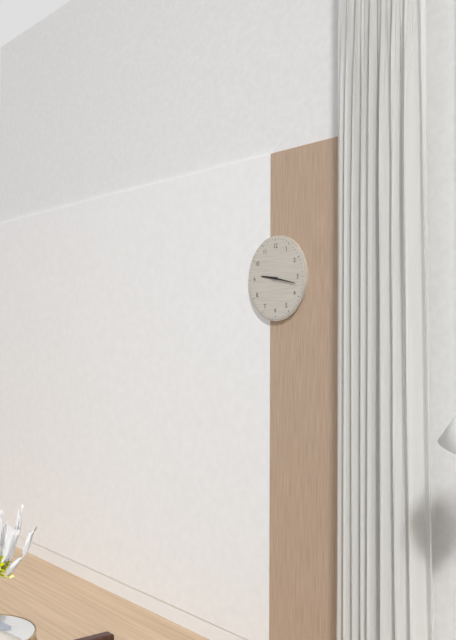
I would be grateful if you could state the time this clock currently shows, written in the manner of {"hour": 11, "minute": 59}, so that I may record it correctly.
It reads {"hour": 9, "minute": 17}
